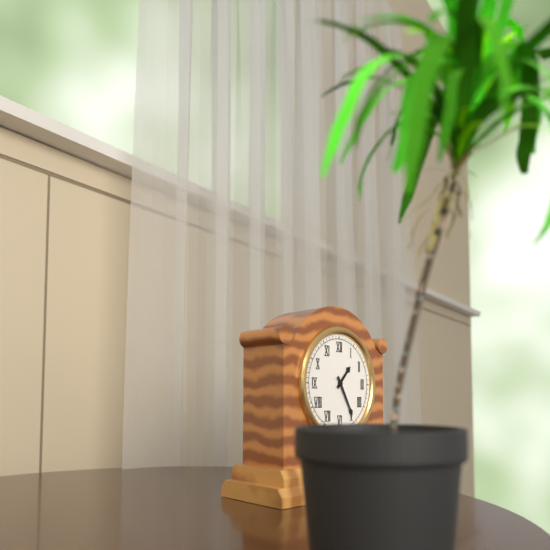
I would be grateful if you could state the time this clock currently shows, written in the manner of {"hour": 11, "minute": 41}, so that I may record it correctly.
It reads {"hour": 1, "minute": 25}
